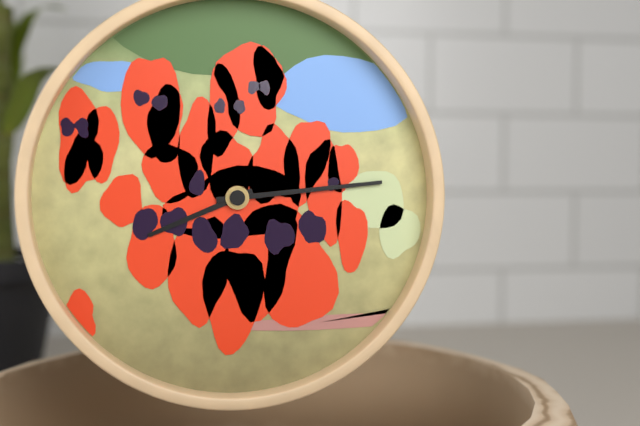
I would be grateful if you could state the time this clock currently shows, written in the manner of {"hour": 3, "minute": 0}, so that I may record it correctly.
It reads {"hour": 8, "minute": 14}
